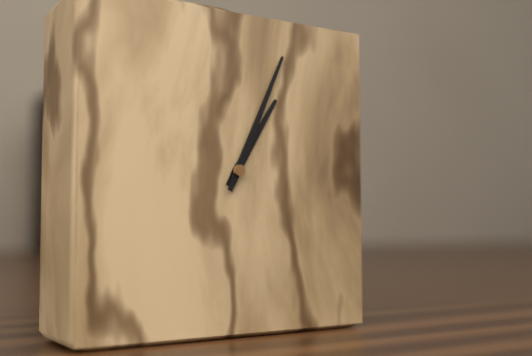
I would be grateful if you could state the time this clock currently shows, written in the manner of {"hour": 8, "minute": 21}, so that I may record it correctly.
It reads {"hour": 1, "minute": 4}
